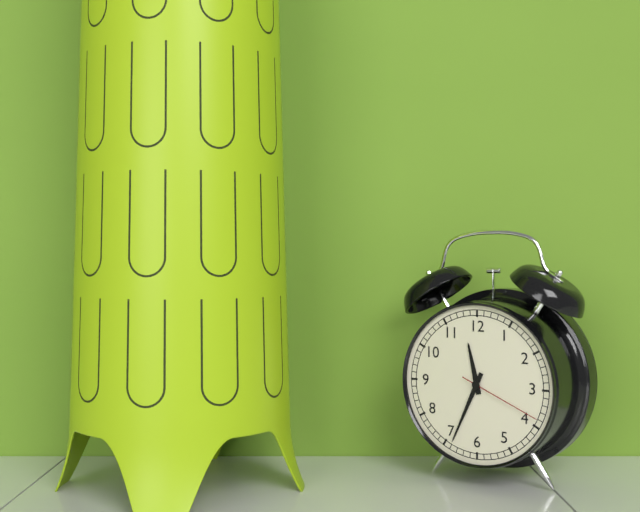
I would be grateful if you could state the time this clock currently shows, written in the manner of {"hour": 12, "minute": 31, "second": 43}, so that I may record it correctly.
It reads {"hour": 11, "minute": 34, "second": 19}
